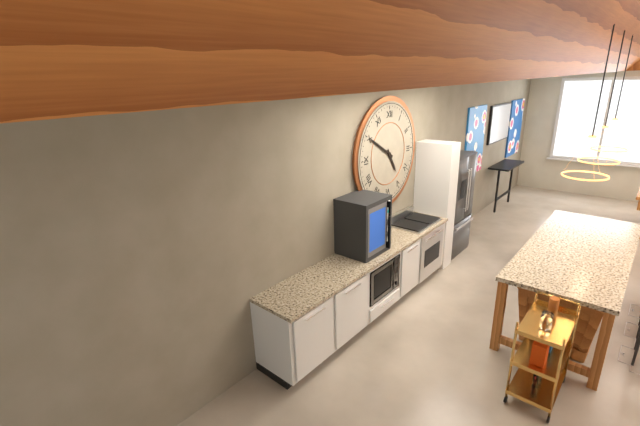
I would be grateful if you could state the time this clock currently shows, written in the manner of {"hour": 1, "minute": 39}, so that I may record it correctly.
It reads {"hour": 4, "minute": 50}
